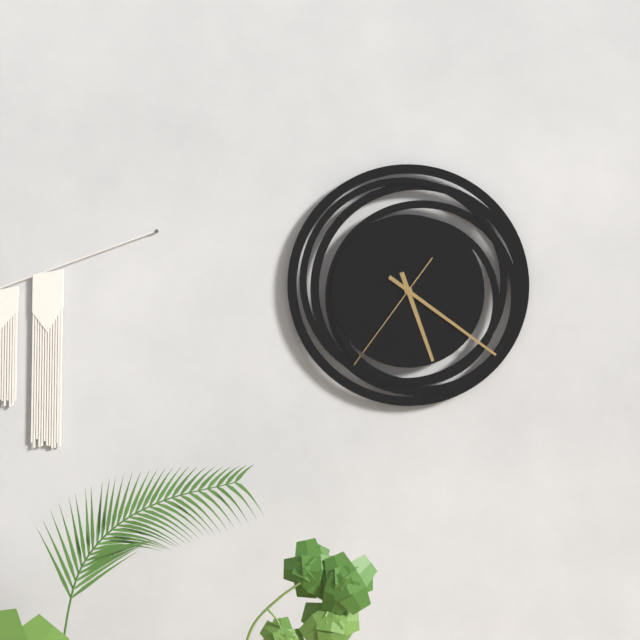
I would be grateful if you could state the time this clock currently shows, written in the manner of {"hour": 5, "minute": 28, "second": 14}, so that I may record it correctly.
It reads {"hour": 5, "minute": 21, "second": 36}
